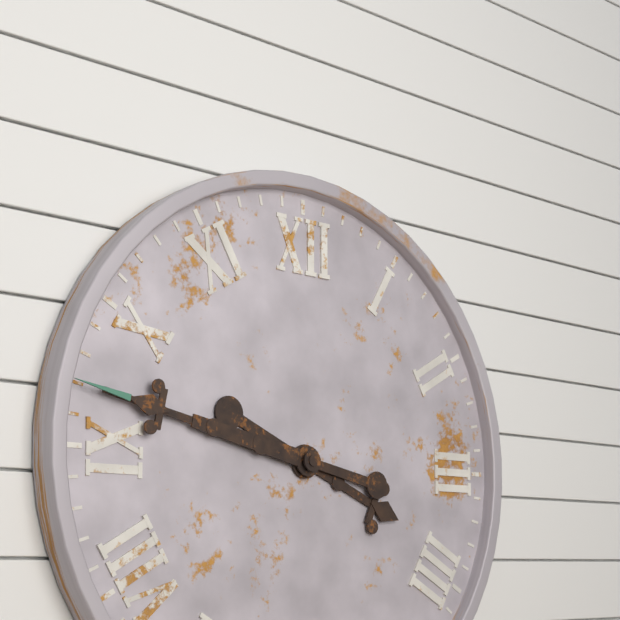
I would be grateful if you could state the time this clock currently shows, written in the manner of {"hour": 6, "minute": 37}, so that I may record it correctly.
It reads {"hour": 3, "minute": 47}
